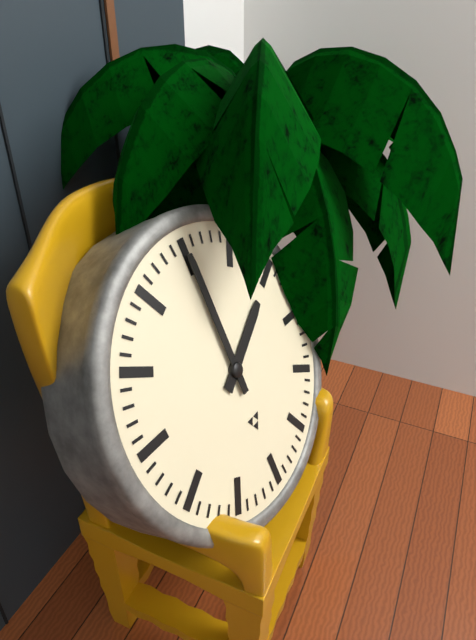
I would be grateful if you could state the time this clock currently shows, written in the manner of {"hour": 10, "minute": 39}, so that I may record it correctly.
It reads {"hour": 2, "minute": 0}
